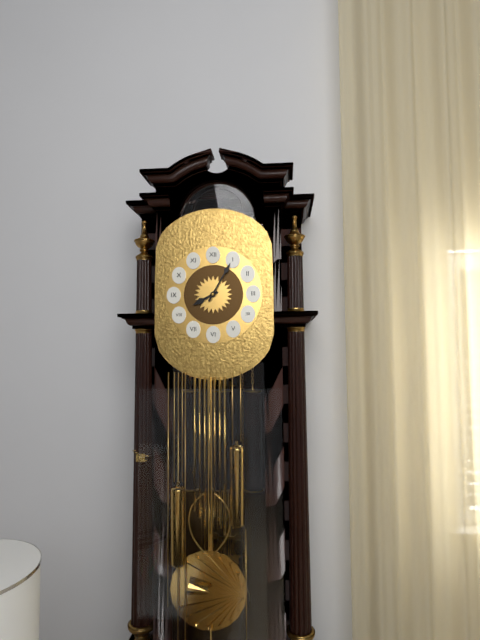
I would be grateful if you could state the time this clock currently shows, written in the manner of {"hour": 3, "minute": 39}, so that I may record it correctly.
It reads {"hour": 8, "minute": 5}
